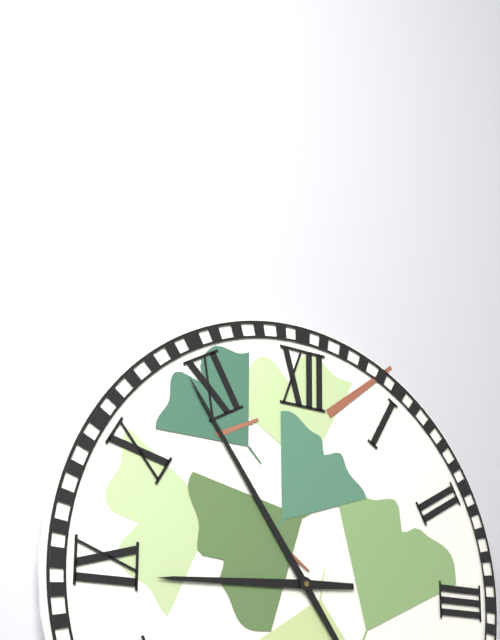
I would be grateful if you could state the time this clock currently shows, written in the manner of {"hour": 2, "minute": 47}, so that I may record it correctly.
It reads {"hour": 8, "minute": 54}
